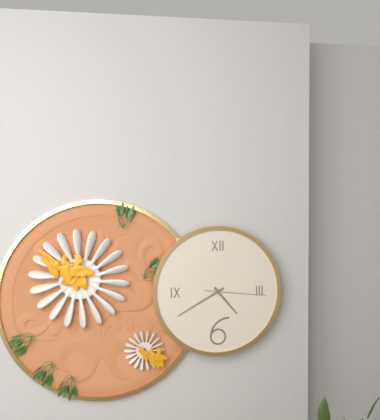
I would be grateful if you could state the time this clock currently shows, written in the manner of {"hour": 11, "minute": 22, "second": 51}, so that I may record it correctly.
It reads {"hour": 4, "minute": 40, "second": 16}
